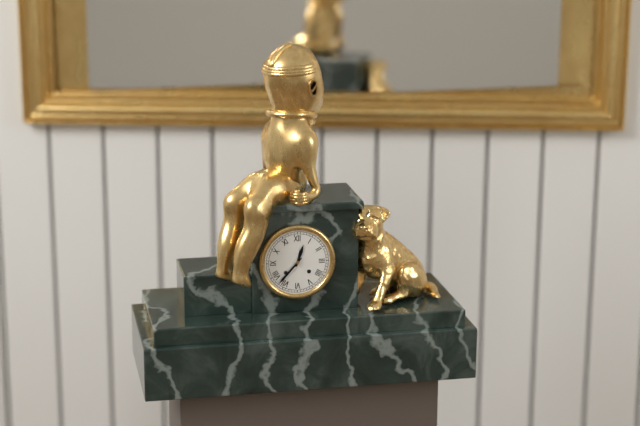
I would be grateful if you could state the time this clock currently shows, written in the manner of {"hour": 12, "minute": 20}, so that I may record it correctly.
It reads {"hour": 12, "minute": 37}
